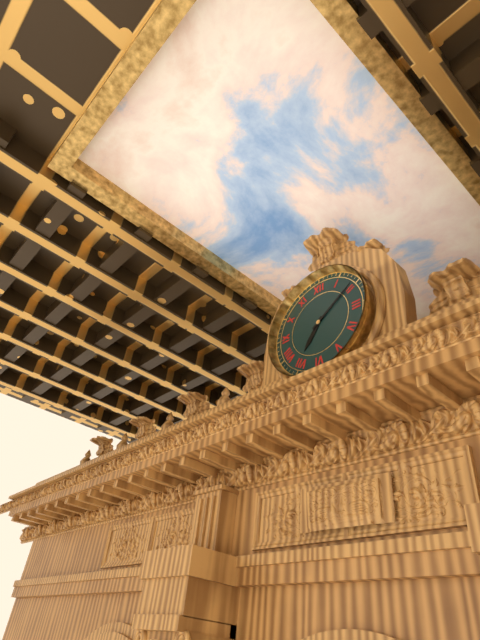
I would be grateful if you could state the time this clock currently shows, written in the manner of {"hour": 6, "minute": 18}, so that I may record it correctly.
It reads {"hour": 7, "minute": 9}
